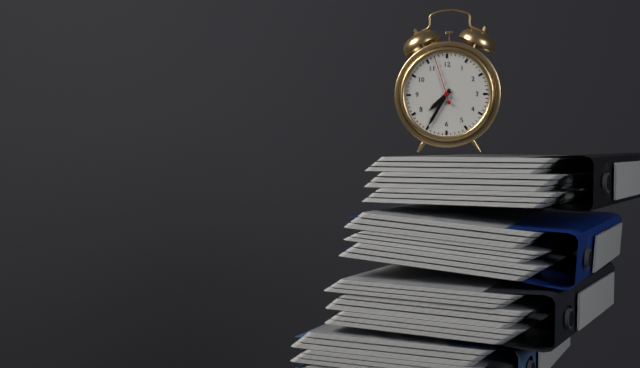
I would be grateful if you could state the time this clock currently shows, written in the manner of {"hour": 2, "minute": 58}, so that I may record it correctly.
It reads {"hour": 7, "minute": 35}
